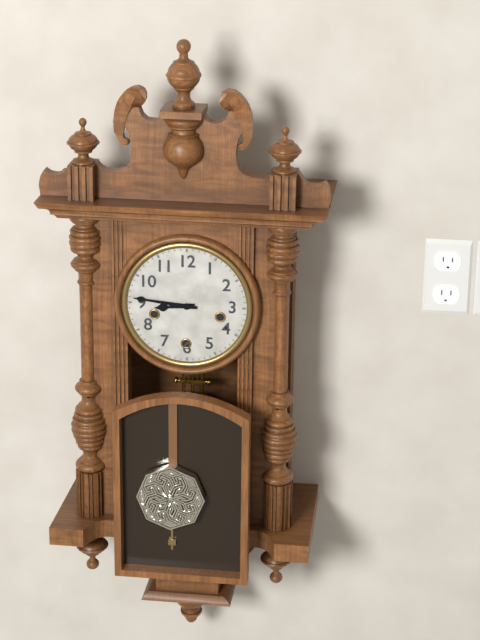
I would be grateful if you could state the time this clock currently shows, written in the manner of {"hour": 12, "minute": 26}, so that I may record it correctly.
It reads {"hour": 8, "minute": 46}
